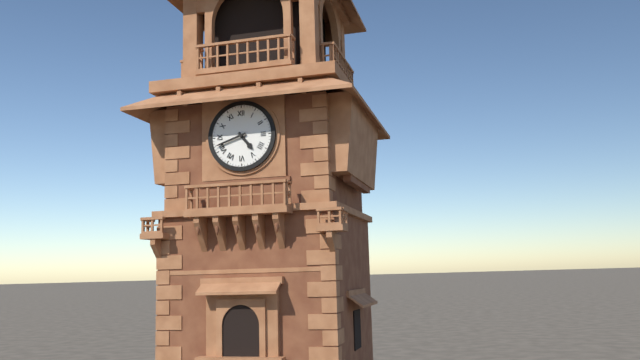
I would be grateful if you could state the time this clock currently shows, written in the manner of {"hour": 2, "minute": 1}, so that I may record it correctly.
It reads {"hour": 4, "minute": 42}
